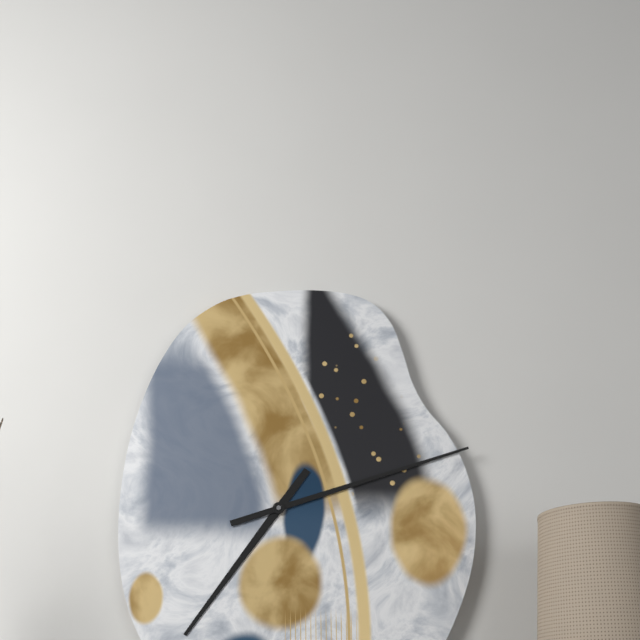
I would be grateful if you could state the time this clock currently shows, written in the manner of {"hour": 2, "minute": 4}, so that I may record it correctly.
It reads {"hour": 7, "minute": 12}
